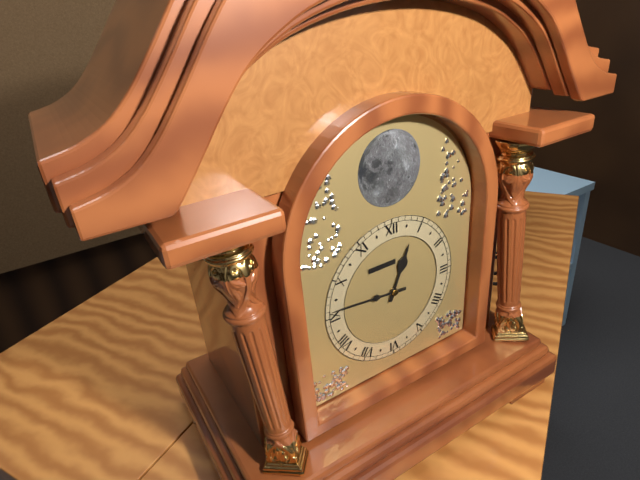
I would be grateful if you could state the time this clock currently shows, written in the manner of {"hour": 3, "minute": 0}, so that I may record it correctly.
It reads {"hour": 12, "minute": 46}
